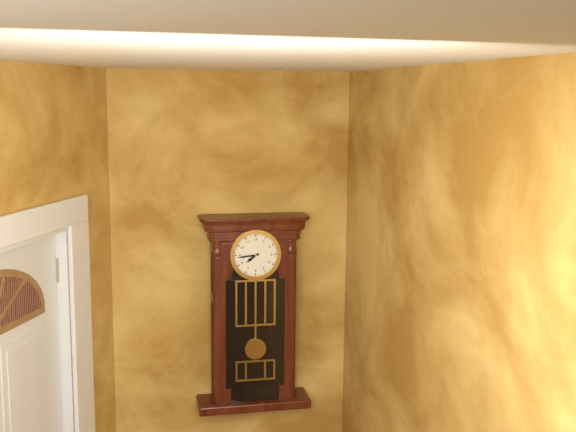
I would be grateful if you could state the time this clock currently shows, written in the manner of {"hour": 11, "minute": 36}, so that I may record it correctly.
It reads {"hour": 7, "minute": 44}
